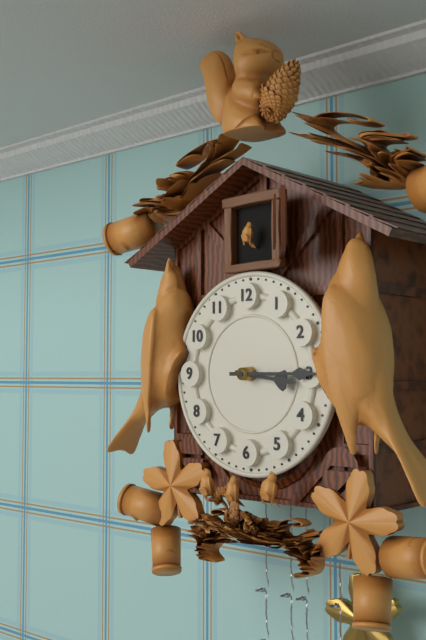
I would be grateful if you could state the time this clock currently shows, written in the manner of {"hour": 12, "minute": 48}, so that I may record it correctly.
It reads {"hour": 3, "minute": 15}
